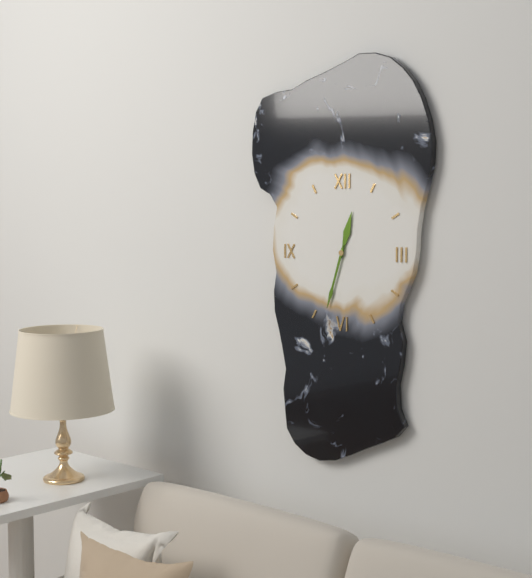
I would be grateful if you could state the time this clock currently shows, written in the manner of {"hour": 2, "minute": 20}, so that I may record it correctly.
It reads {"hour": 12, "minute": 33}
